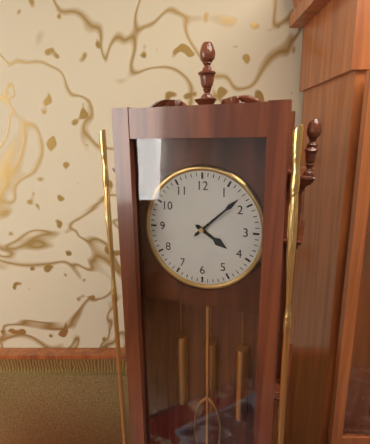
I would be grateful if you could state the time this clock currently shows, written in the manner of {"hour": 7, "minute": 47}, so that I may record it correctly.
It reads {"hour": 4, "minute": 8}
